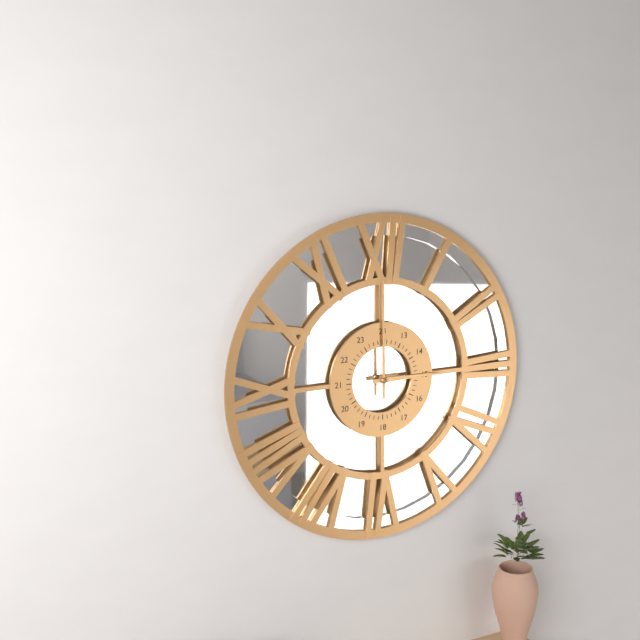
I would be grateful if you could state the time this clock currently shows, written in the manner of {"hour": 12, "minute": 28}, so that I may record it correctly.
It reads {"hour": 3, "minute": 0}
